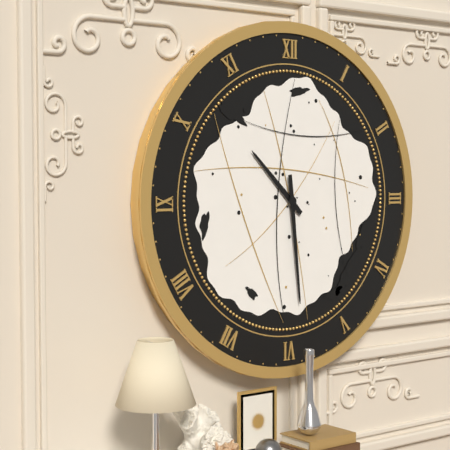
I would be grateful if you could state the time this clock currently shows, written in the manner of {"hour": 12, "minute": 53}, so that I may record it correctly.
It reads {"hour": 10, "minute": 29}
